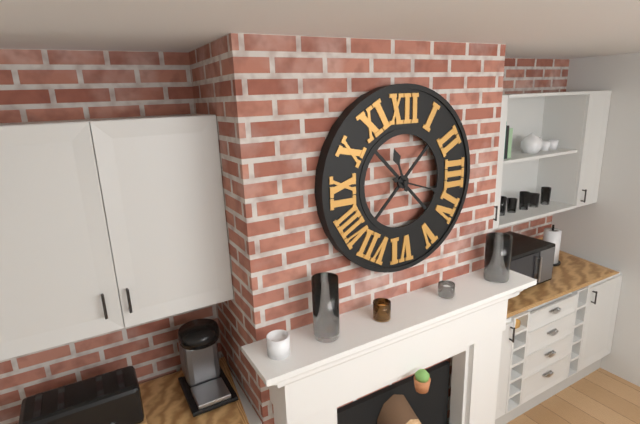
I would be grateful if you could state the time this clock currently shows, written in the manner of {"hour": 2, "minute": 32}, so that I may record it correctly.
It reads {"hour": 11, "minute": 18}
